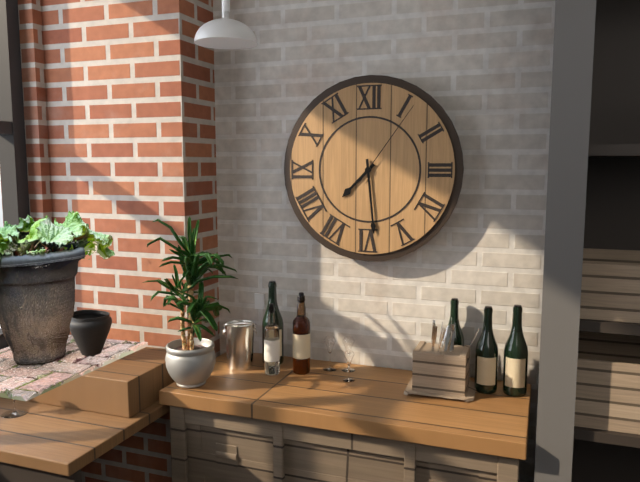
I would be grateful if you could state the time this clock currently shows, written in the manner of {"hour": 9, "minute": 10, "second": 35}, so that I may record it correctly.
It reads {"hour": 7, "minute": 29, "second": 6}
